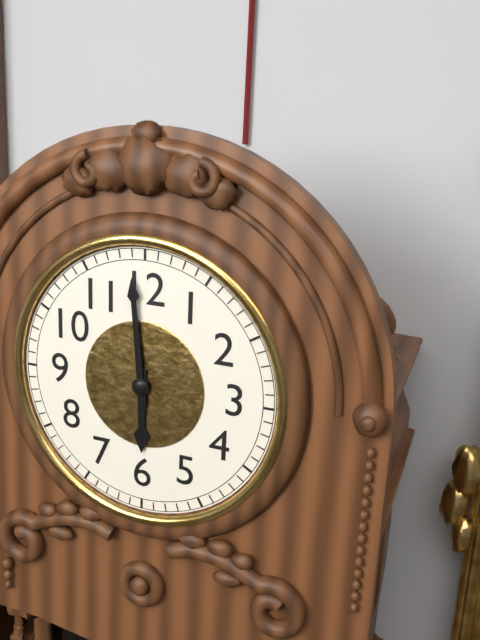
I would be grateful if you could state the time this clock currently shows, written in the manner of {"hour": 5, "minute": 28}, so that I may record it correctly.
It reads {"hour": 5, "minute": 59}
